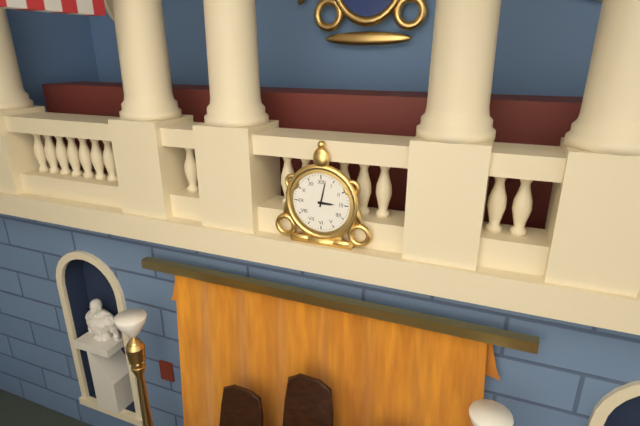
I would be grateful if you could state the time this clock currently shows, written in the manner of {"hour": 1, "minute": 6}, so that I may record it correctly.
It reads {"hour": 3, "minute": 2}
